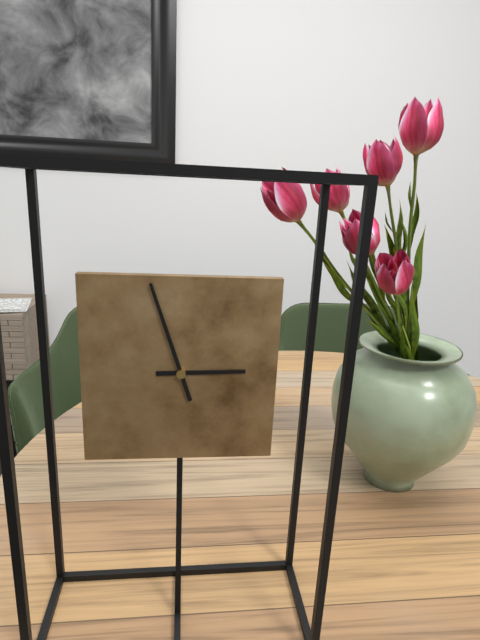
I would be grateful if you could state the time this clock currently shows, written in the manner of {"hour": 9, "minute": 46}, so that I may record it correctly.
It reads {"hour": 2, "minute": 57}
